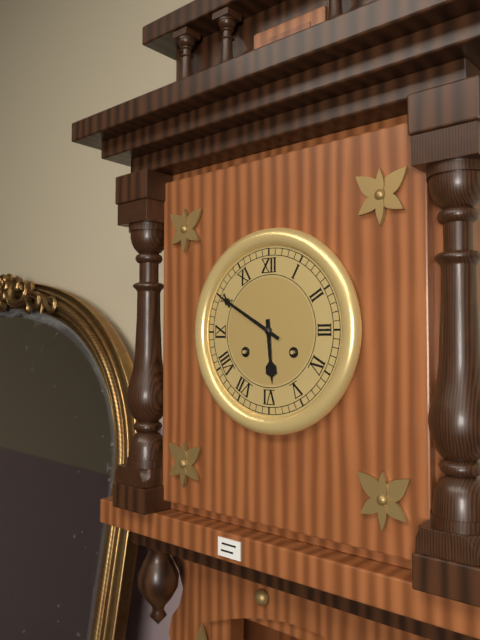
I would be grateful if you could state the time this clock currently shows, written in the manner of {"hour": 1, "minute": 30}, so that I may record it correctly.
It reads {"hour": 5, "minute": 50}
